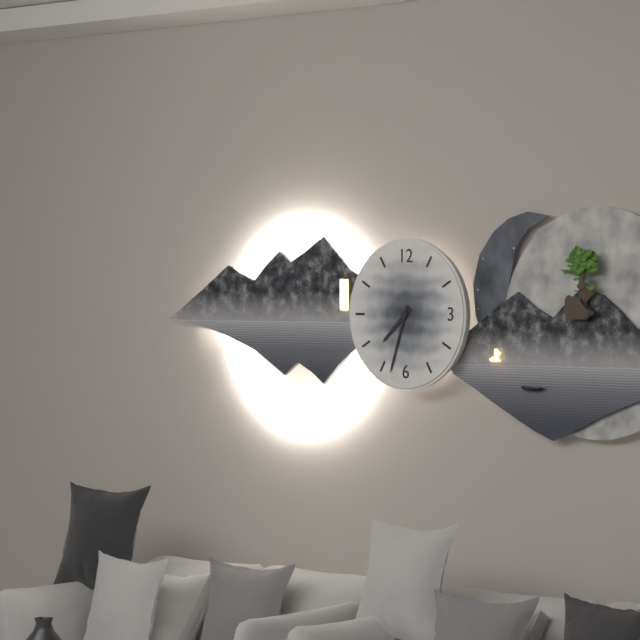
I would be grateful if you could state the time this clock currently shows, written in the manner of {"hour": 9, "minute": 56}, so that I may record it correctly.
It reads {"hour": 7, "minute": 33}
